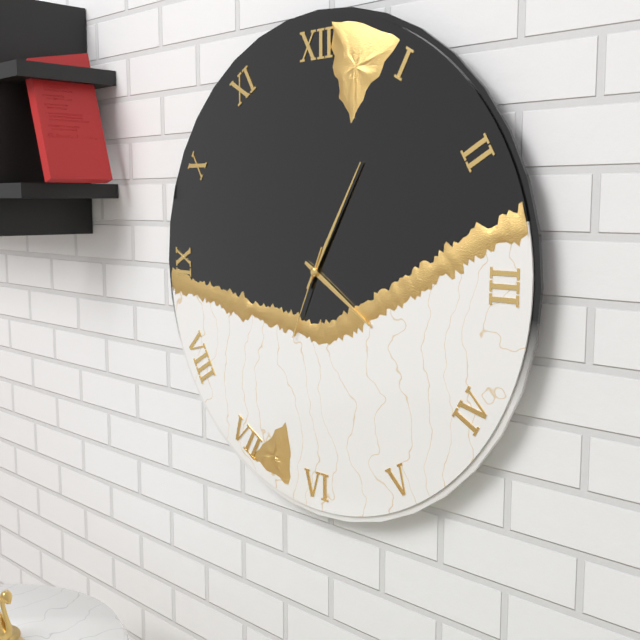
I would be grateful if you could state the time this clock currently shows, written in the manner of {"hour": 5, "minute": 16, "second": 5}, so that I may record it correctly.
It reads {"hour": 4, "minute": 5, "second": 34}
